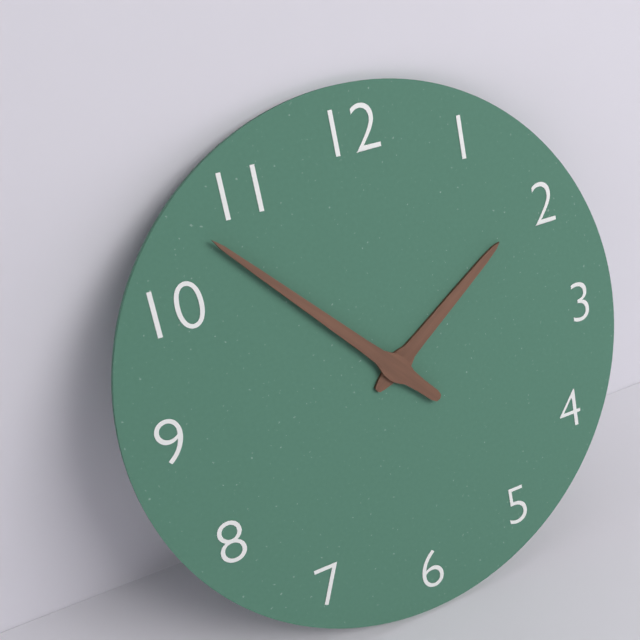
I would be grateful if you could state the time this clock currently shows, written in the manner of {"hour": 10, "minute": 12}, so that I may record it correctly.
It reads {"hour": 1, "minute": 53}
